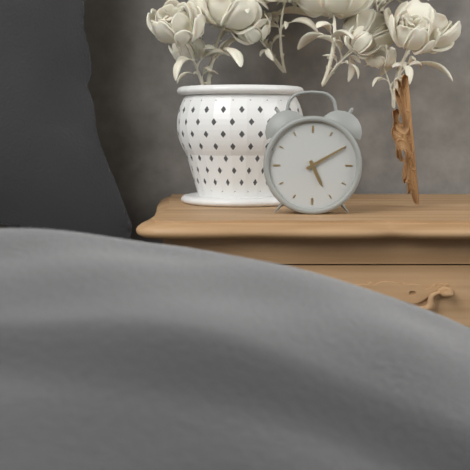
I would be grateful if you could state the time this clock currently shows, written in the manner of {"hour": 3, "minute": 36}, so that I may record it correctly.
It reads {"hour": 5, "minute": 10}
